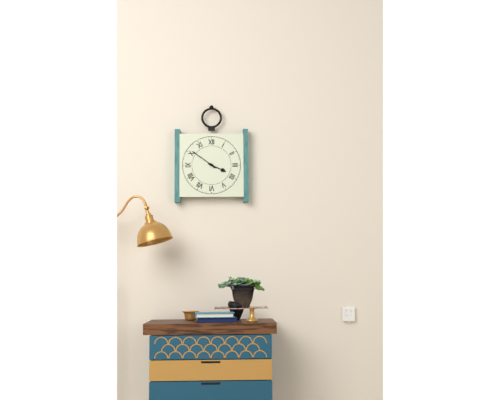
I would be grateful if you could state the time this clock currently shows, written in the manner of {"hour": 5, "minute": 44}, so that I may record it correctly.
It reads {"hour": 3, "minute": 51}
